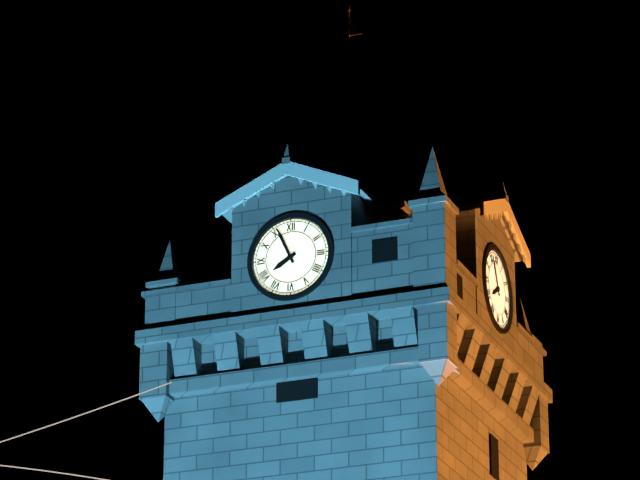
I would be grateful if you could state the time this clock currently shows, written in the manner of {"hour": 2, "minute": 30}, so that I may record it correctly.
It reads {"hour": 7, "minute": 56}
